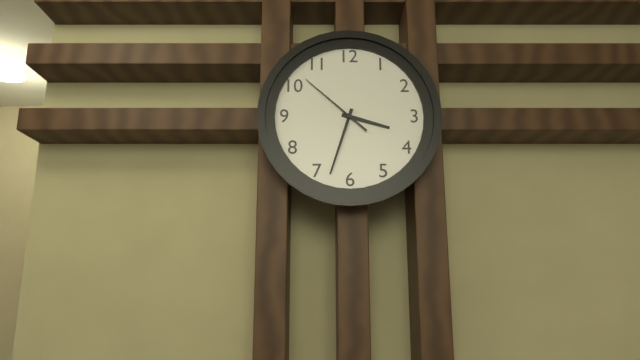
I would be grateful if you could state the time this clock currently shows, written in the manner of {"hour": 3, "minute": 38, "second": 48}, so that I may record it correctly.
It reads {"hour": 3, "minute": 33, "second": 52}
